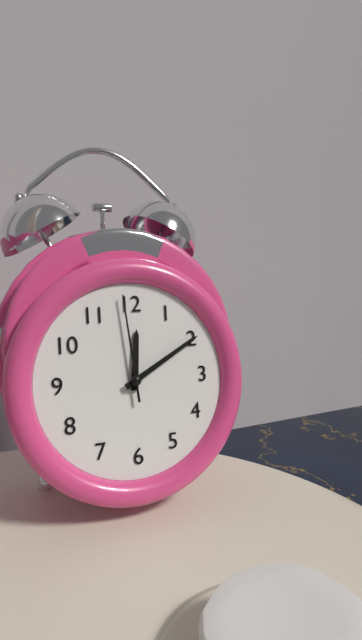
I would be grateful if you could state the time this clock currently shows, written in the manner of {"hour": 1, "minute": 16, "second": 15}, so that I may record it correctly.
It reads {"hour": 12, "minute": 10, "second": 59}
